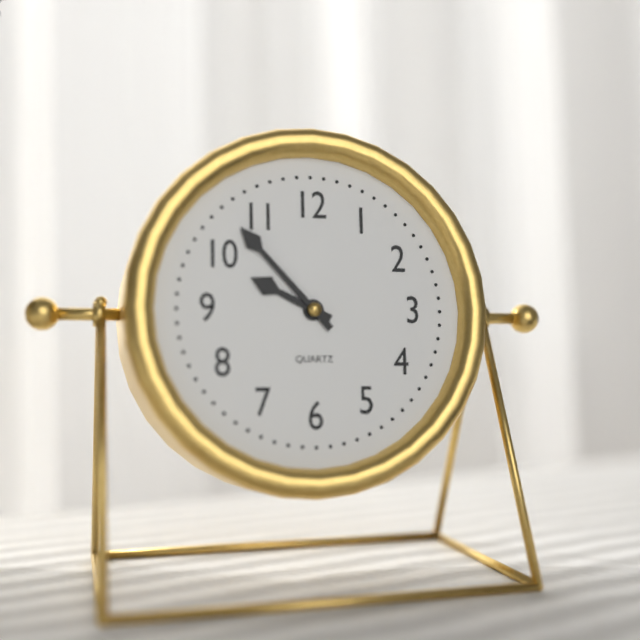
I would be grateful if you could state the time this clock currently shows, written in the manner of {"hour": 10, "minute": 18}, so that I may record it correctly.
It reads {"hour": 9, "minute": 53}
